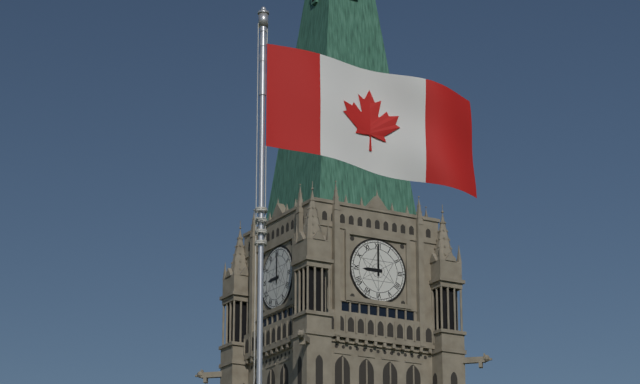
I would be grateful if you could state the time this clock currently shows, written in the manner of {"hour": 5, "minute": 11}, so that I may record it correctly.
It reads {"hour": 9, "minute": 0}
